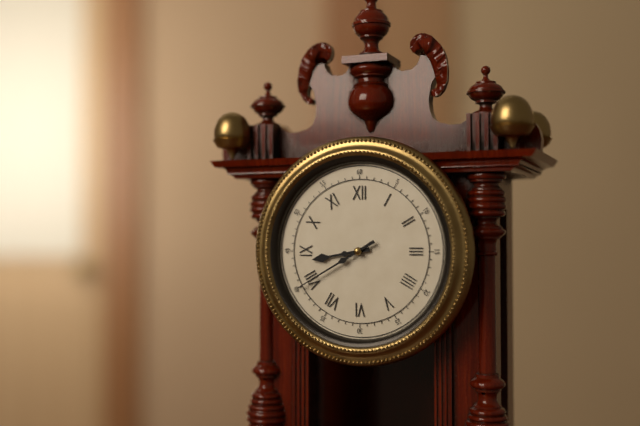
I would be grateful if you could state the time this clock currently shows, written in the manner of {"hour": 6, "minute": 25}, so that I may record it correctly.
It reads {"hour": 8, "minute": 40}
